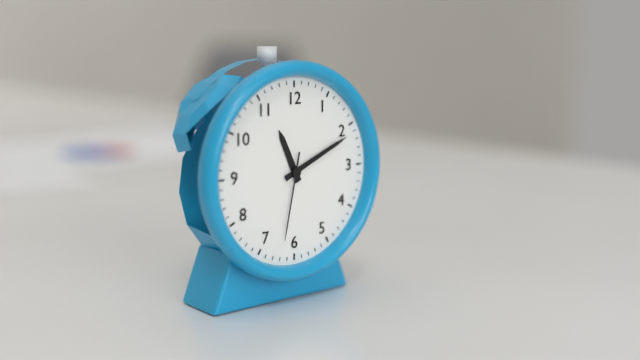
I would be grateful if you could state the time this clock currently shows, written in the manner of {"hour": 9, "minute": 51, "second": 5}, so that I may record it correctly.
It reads {"hour": 11, "minute": 11, "second": 32}
